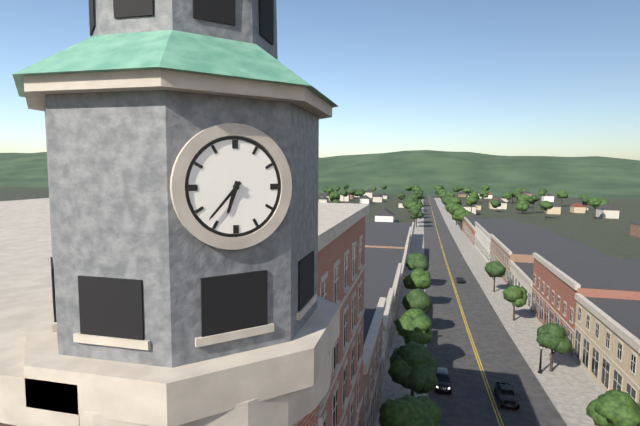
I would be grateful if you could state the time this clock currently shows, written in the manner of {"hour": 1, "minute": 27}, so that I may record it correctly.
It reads {"hour": 6, "minute": 37}
